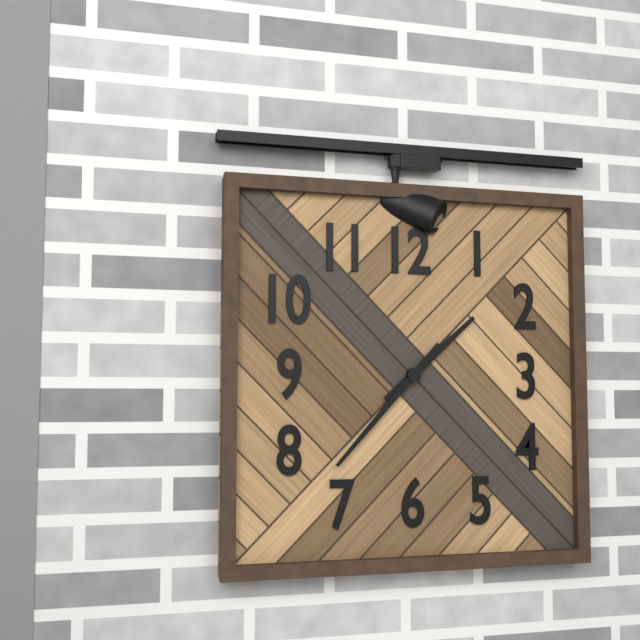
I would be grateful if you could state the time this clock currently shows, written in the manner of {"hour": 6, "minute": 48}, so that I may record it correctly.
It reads {"hour": 1, "minute": 37}
